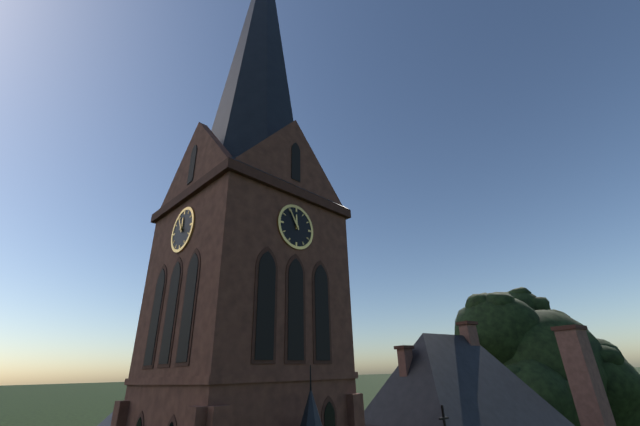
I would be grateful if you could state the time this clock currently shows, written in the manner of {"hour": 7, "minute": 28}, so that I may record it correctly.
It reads {"hour": 11, "minute": 55}
